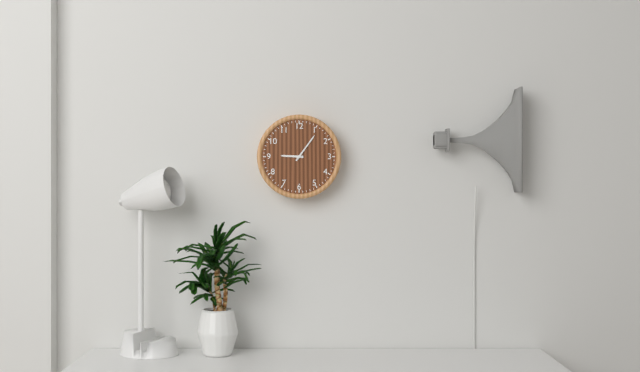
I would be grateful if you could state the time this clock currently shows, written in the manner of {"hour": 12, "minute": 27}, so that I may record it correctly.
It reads {"hour": 9, "minute": 6}
